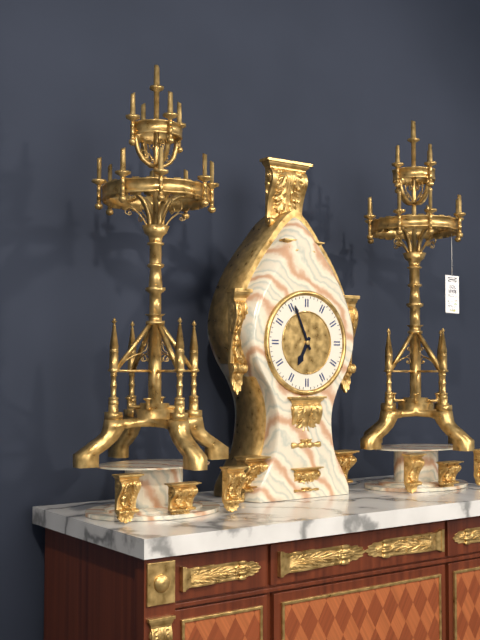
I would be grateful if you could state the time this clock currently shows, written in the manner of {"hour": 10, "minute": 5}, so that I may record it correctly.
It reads {"hour": 6, "minute": 56}
